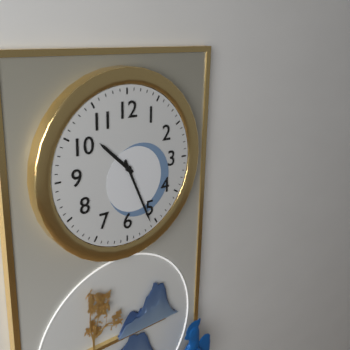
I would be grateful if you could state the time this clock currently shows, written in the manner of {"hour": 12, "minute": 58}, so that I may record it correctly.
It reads {"hour": 10, "minute": 26}
